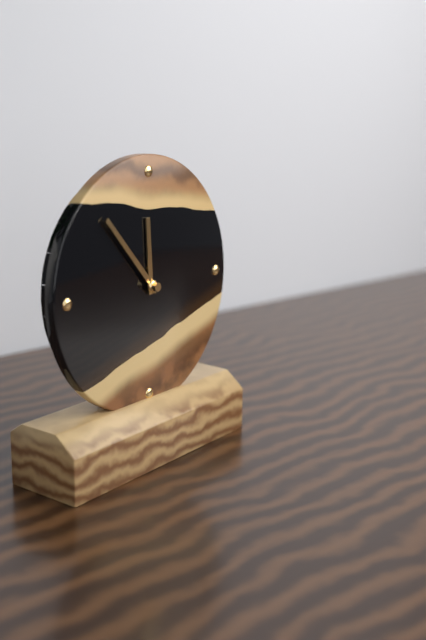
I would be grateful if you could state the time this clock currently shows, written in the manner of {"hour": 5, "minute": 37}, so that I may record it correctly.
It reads {"hour": 11, "minute": 53}
